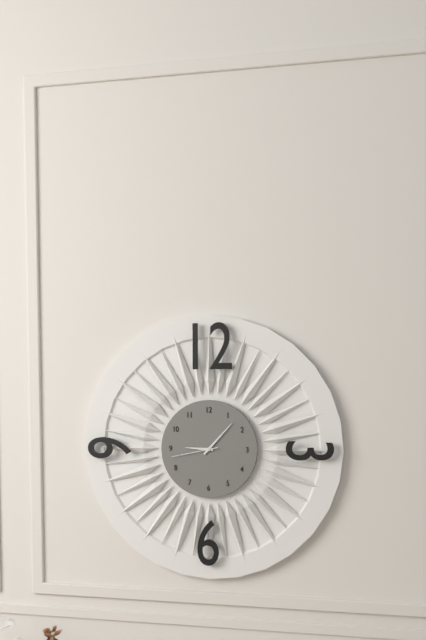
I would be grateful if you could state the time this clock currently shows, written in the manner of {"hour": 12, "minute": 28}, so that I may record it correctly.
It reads {"hour": 9, "minute": 7}
